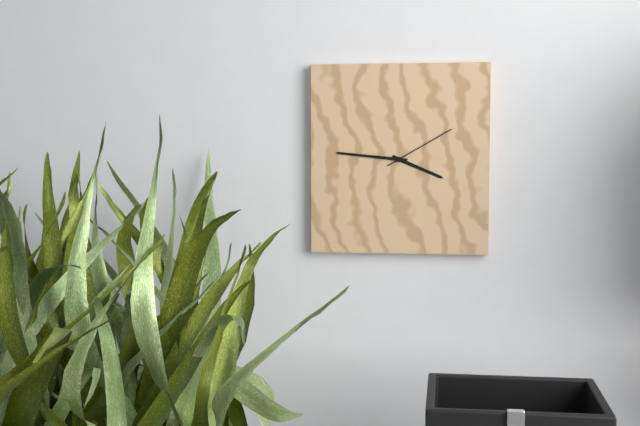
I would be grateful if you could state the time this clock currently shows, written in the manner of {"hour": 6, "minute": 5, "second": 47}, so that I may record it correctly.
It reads {"hour": 3, "minute": 46, "second": 10}
